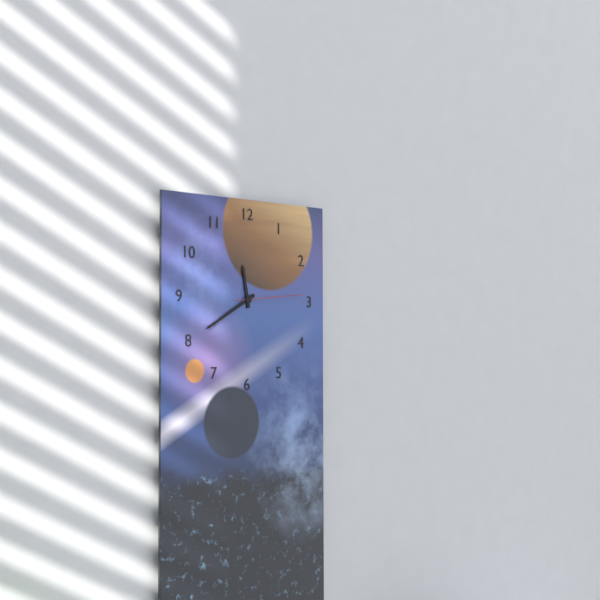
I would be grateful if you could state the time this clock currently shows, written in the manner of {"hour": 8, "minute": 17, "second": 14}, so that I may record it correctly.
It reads {"hour": 11, "minute": 40, "second": 14}
